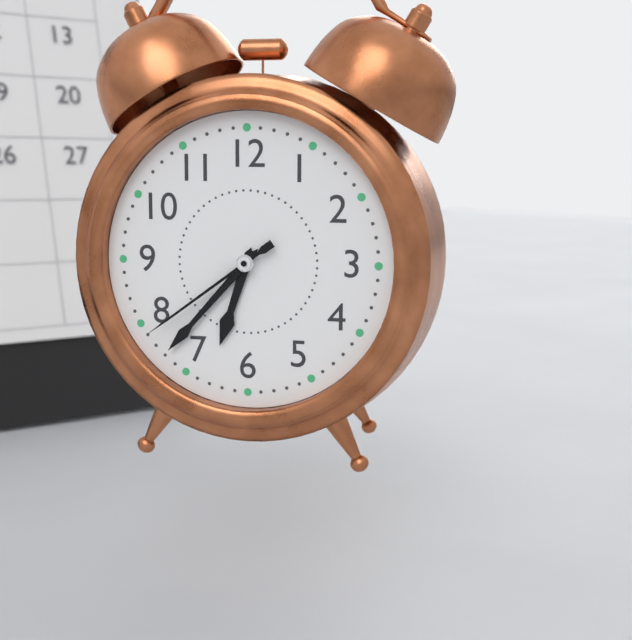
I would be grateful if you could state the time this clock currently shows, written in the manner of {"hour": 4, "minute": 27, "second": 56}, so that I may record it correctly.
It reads {"hour": 6, "minute": 37, "second": 39}
